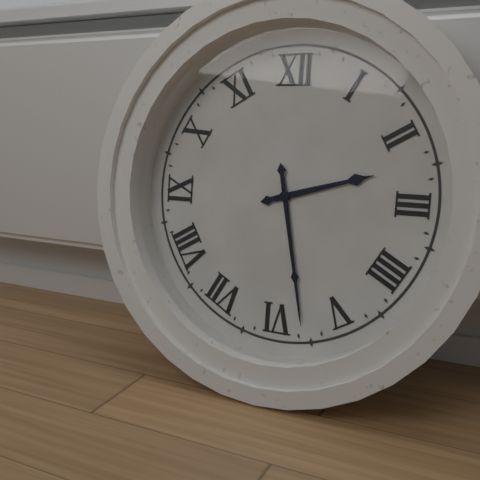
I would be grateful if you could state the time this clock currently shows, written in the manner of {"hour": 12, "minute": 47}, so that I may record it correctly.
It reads {"hour": 2, "minute": 28}
